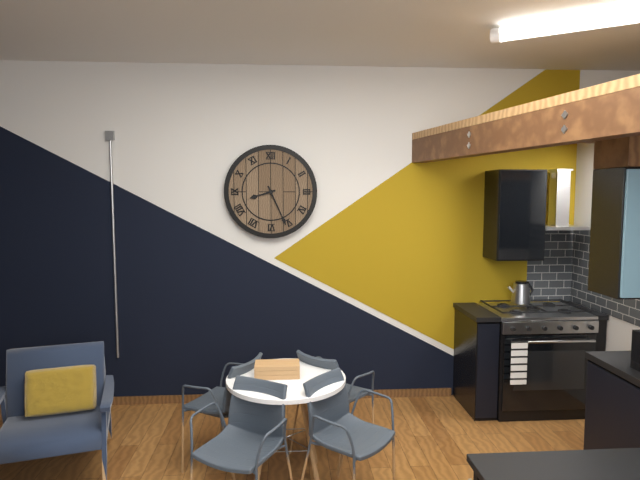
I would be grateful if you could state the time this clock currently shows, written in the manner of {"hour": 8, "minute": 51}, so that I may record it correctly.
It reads {"hour": 8, "minute": 26}
